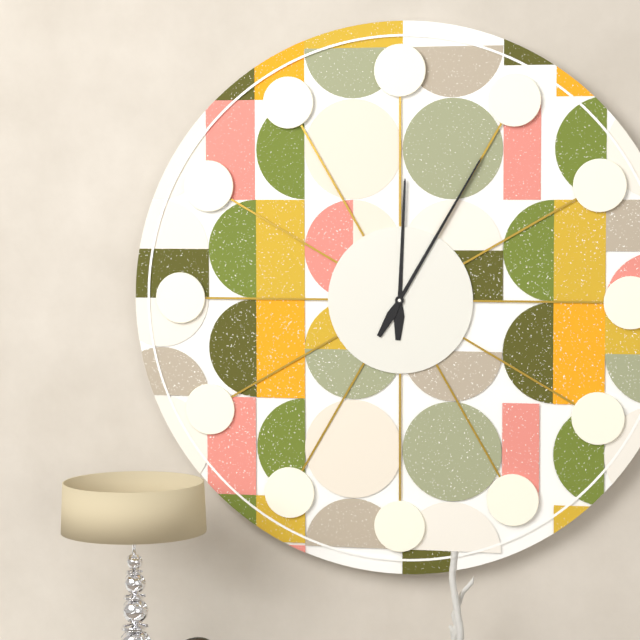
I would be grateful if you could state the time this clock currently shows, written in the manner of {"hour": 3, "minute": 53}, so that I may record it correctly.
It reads {"hour": 12, "minute": 5}
